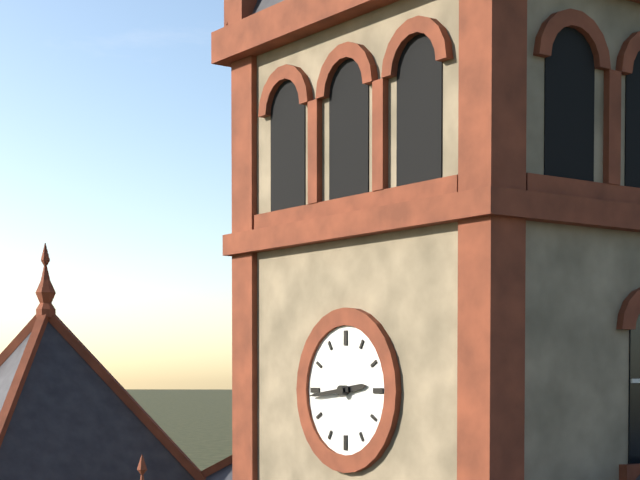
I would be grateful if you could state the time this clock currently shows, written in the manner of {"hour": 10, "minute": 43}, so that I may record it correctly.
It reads {"hour": 2, "minute": 44}
